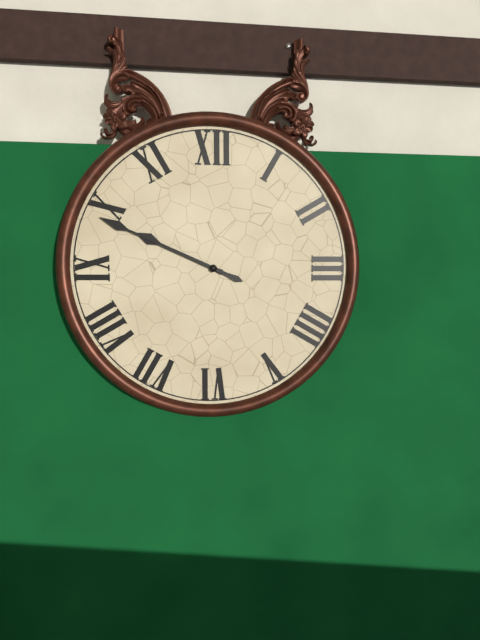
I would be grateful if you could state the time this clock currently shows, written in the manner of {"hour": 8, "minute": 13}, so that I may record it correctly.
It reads {"hour": 9, "minute": 49}
